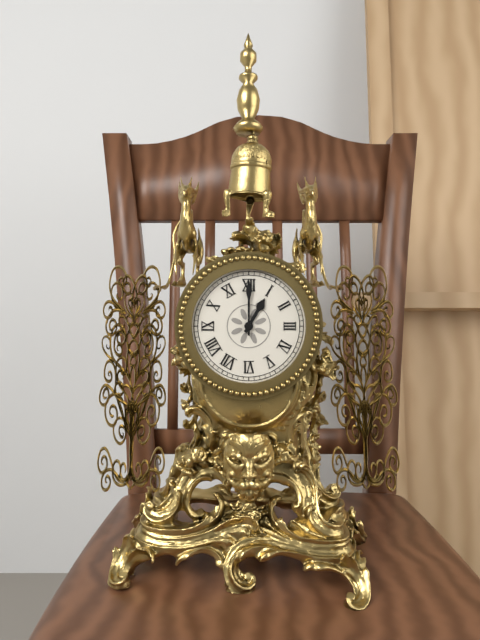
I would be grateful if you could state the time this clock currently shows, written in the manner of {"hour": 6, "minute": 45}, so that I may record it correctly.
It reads {"hour": 1, "minute": 0}
